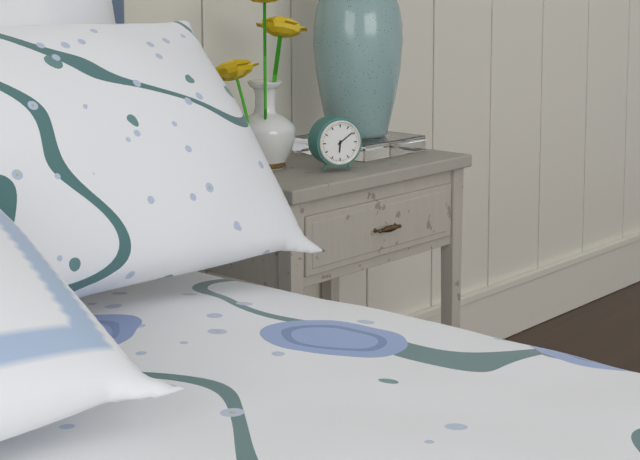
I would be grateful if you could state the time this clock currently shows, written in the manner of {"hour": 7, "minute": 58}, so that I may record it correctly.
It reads {"hour": 6, "minute": 9}
